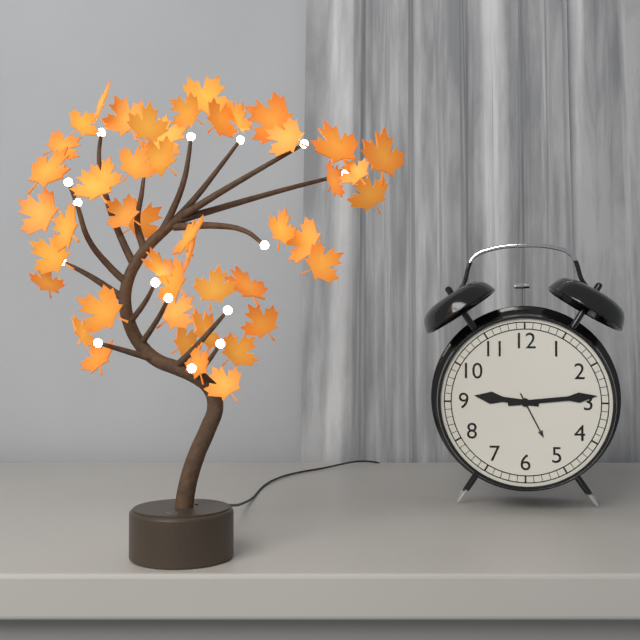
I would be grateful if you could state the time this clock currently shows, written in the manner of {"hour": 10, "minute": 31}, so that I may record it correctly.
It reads {"hour": 9, "minute": 14}
